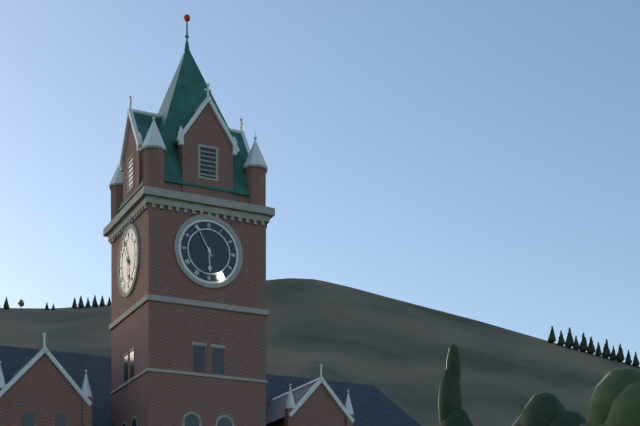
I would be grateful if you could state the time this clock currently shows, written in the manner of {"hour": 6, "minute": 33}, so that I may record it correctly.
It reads {"hour": 5, "minute": 55}
